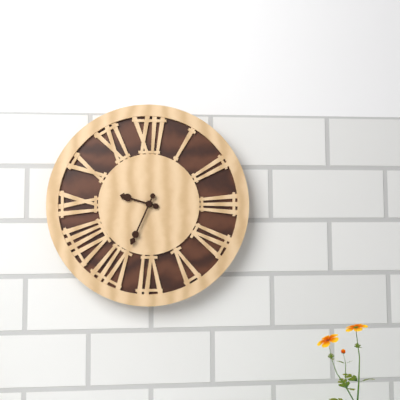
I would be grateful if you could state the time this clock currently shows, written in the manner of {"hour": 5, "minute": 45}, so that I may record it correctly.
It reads {"hour": 9, "minute": 34}
